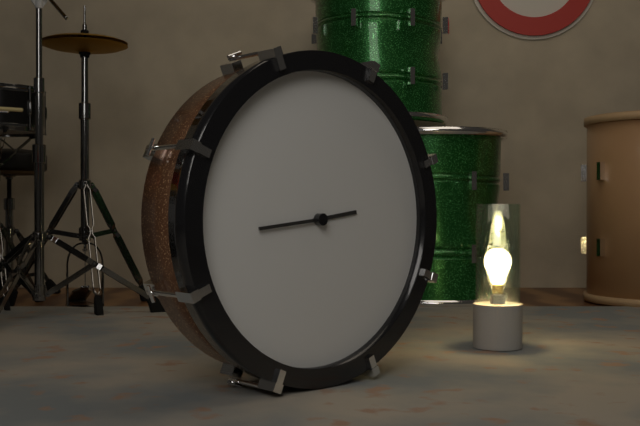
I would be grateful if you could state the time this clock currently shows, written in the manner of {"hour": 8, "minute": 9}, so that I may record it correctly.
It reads {"hour": 2, "minute": 44}
